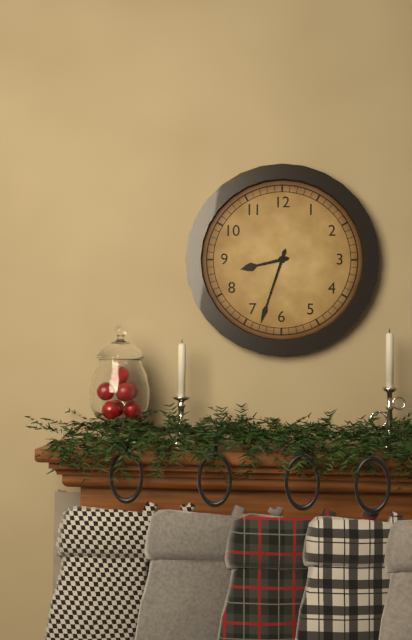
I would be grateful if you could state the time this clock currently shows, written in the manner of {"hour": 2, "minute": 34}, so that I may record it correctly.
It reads {"hour": 8, "minute": 33}
